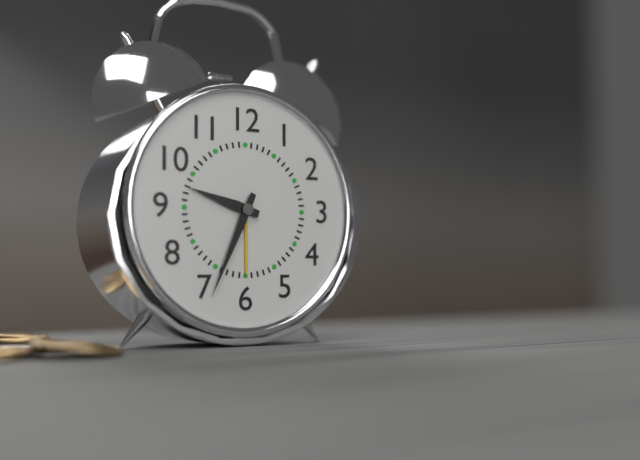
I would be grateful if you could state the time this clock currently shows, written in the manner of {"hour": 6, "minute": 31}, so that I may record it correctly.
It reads {"hour": 9, "minute": 34}
